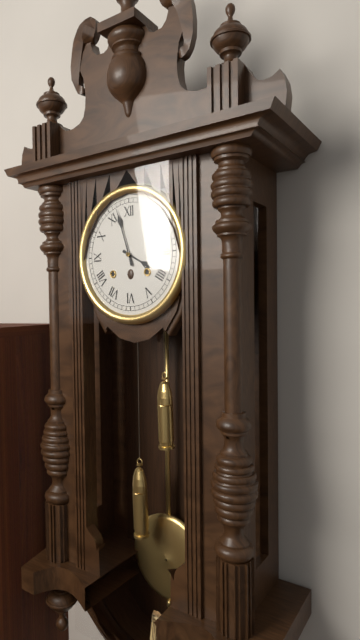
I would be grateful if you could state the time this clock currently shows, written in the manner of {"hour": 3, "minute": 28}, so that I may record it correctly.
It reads {"hour": 3, "minute": 57}
